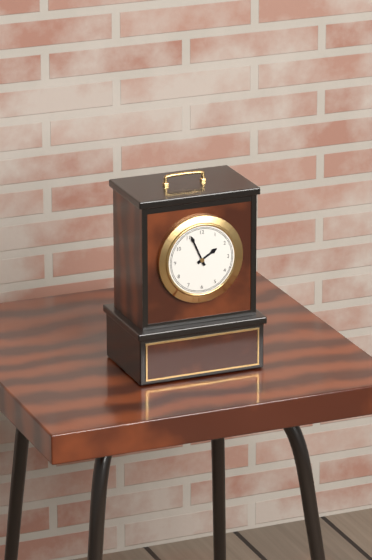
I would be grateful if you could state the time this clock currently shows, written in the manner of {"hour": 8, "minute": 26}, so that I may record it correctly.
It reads {"hour": 1, "minute": 56}
